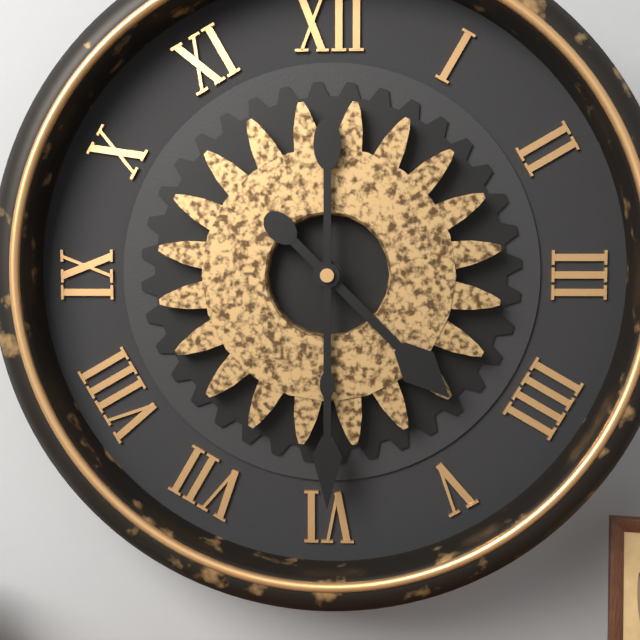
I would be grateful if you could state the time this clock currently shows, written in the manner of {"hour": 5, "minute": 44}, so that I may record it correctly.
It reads {"hour": 4, "minute": 30}
